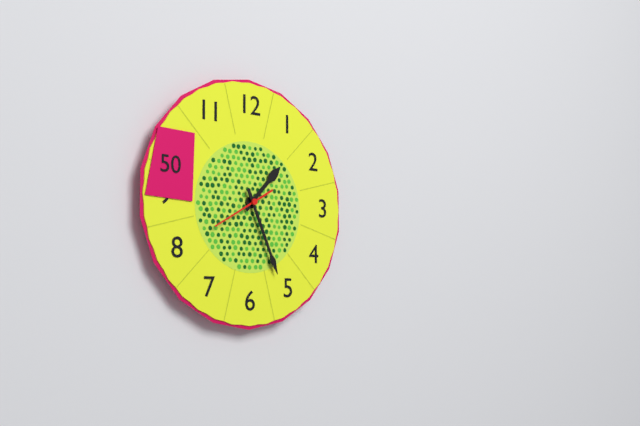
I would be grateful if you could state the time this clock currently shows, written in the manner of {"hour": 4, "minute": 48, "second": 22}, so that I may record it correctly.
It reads {"hour": 1, "minute": 26, "second": 40}
